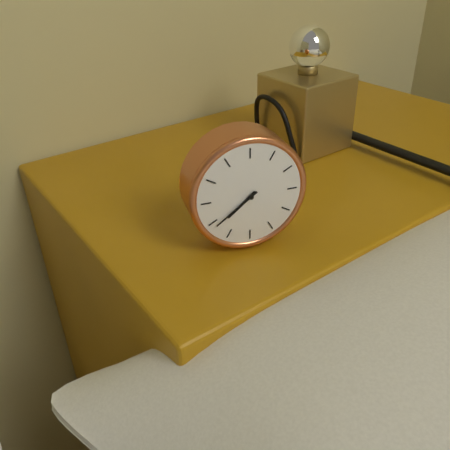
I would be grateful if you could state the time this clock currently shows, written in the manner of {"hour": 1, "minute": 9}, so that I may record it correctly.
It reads {"hour": 7, "minute": 39}
